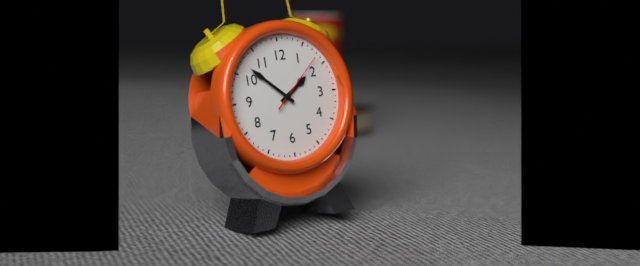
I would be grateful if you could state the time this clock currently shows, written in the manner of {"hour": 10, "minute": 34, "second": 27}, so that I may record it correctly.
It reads {"hour": 1, "minute": 52, "second": 8}
